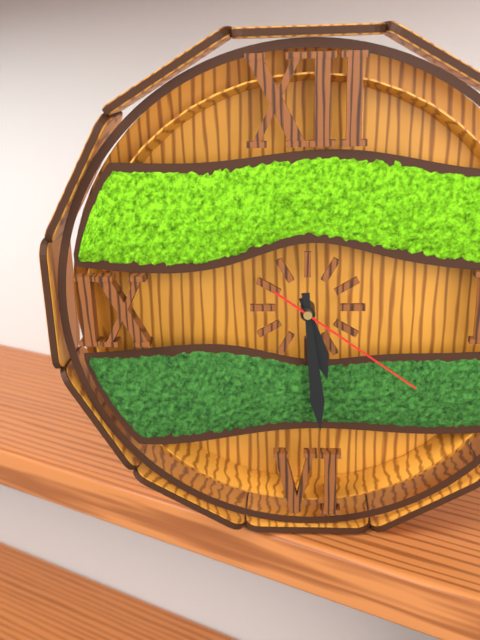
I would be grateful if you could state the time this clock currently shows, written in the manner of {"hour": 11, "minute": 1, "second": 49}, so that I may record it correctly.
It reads {"hour": 5, "minute": 29, "second": 21}
